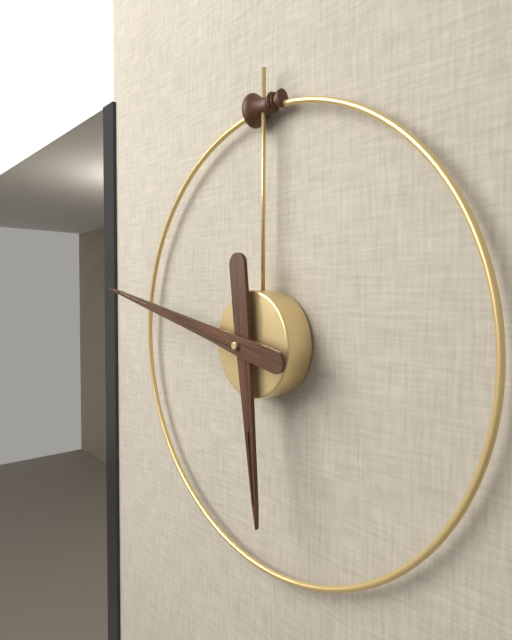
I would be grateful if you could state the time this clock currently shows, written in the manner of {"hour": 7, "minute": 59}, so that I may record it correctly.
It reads {"hour": 5, "minute": 47}
